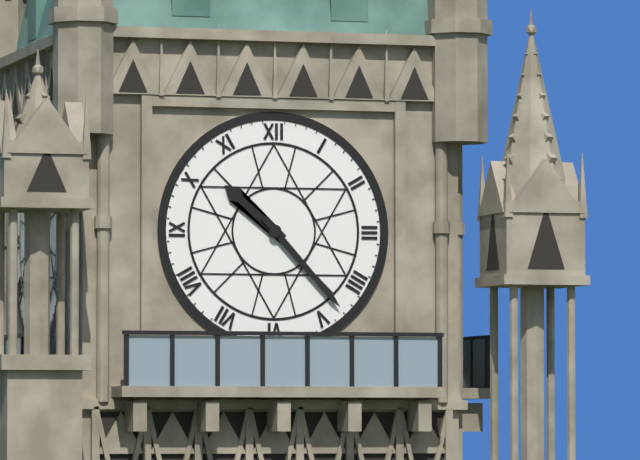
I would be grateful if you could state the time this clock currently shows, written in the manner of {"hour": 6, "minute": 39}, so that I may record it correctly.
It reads {"hour": 10, "minute": 23}
